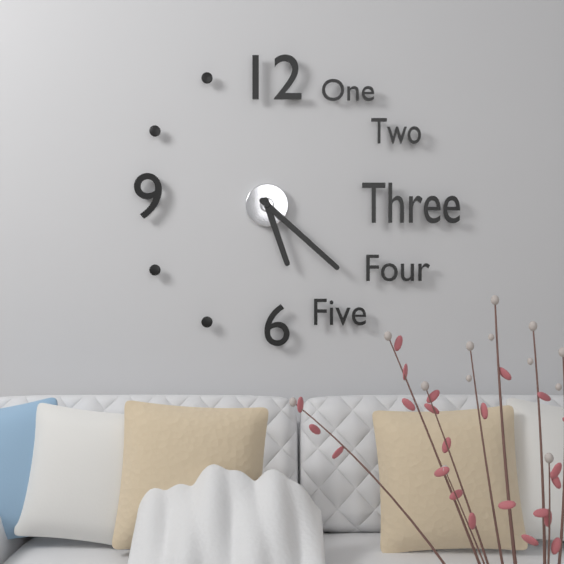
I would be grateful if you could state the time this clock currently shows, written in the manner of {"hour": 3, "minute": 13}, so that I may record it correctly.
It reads {"hour": 5, "minute": 22}
